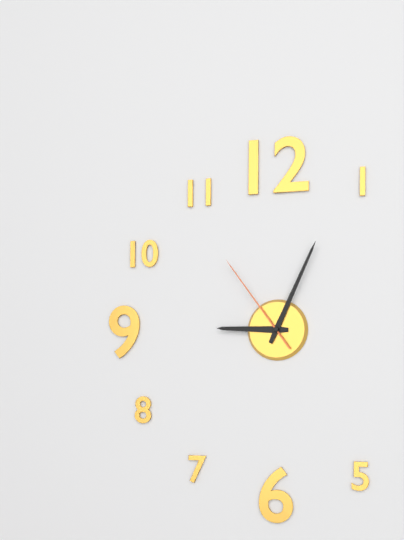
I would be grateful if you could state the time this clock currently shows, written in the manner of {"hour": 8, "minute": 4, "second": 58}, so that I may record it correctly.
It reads {"hour": 9, "minute": 4, "second": 54}
